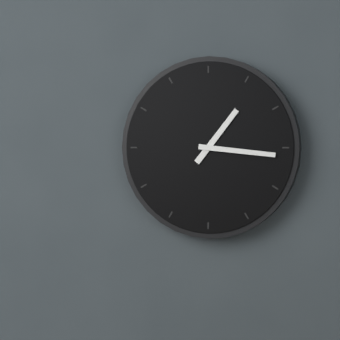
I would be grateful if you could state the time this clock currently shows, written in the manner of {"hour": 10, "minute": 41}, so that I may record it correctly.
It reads {"hour": 1, "minute": 16}
